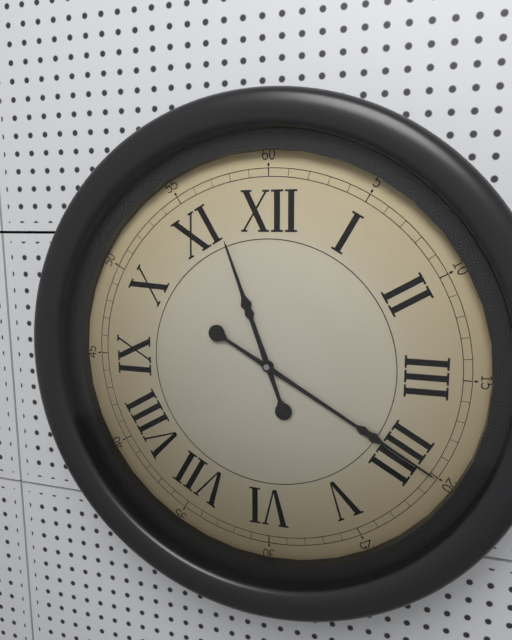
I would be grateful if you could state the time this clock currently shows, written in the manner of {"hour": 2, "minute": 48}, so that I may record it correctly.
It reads {"hour": 11, "minute": 20}
